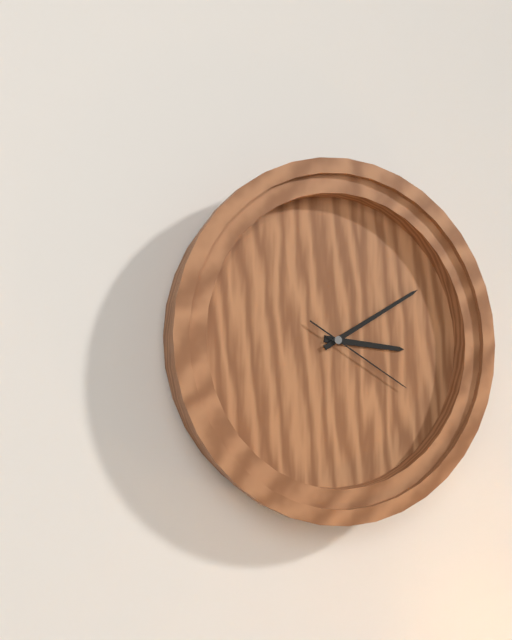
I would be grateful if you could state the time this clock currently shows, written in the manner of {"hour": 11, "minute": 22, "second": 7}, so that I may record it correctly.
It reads {"hour": 3, "minute": 10, "second": 20}
